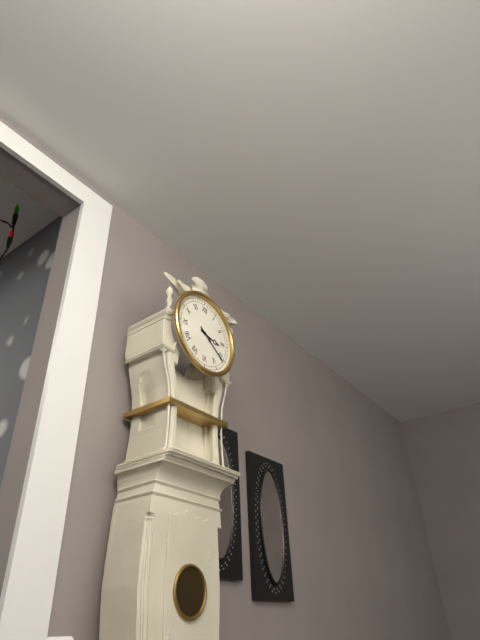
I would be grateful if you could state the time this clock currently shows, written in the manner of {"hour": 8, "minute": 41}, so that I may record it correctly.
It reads {"hour": 3, "minute": 21}
